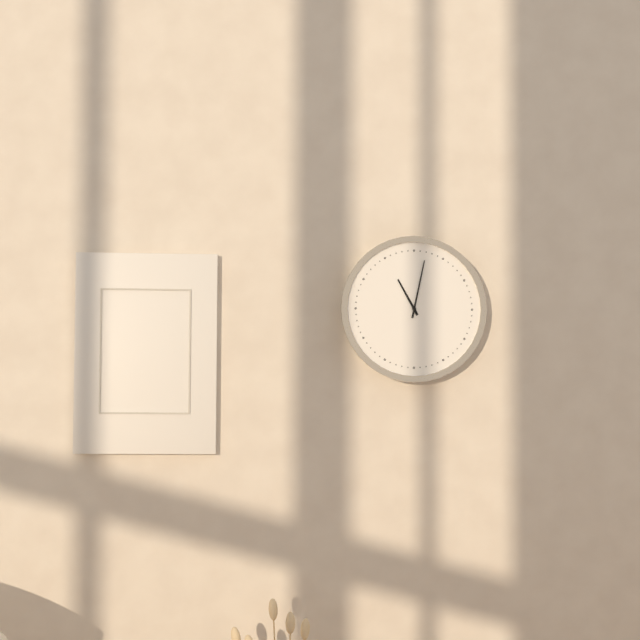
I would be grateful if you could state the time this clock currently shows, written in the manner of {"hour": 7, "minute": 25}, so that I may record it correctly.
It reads {"hour": 11, "minute": 2}
